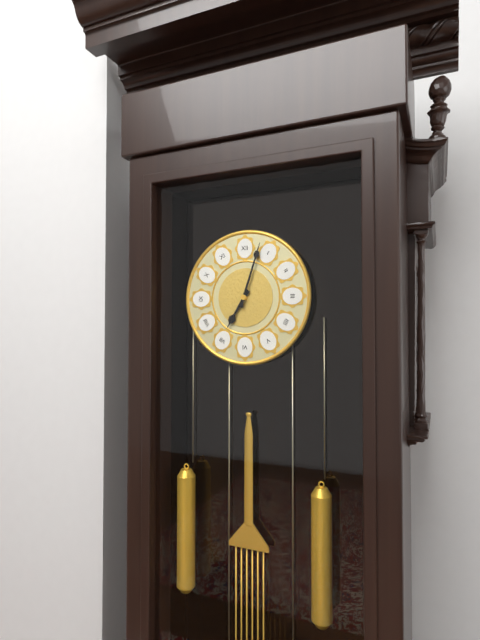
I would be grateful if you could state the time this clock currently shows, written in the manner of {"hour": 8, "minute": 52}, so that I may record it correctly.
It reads {"hour": 7, "minute": 3}
